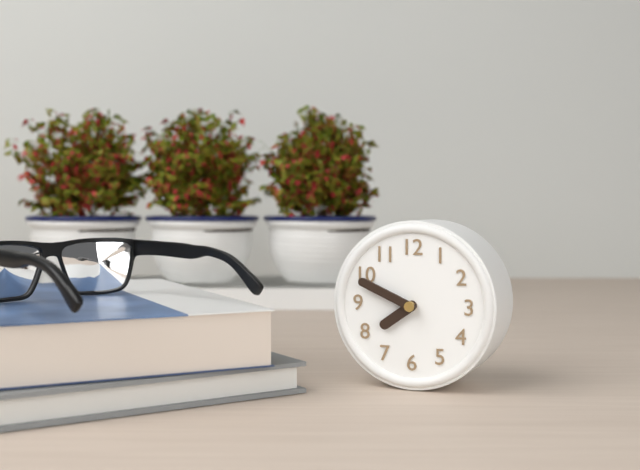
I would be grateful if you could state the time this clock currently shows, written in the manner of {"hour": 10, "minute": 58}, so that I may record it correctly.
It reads {"hour": 7, "minute": 49}
